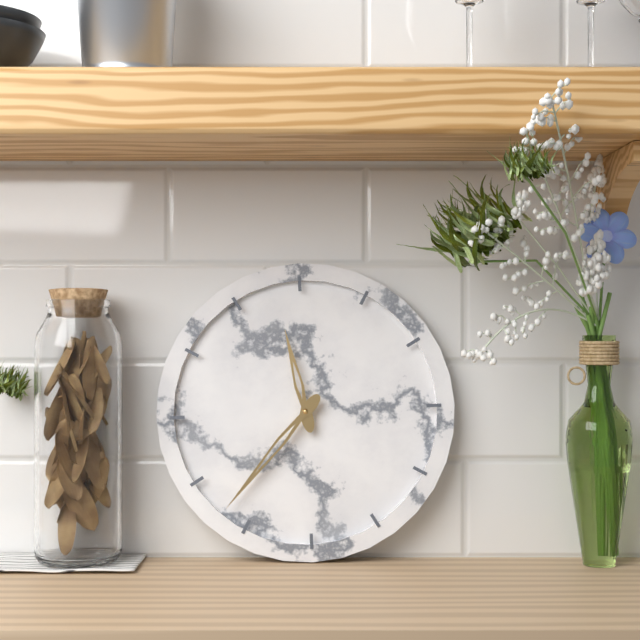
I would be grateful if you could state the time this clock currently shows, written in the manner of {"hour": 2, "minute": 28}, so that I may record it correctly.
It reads {"hour": 11, "minute": 37}
